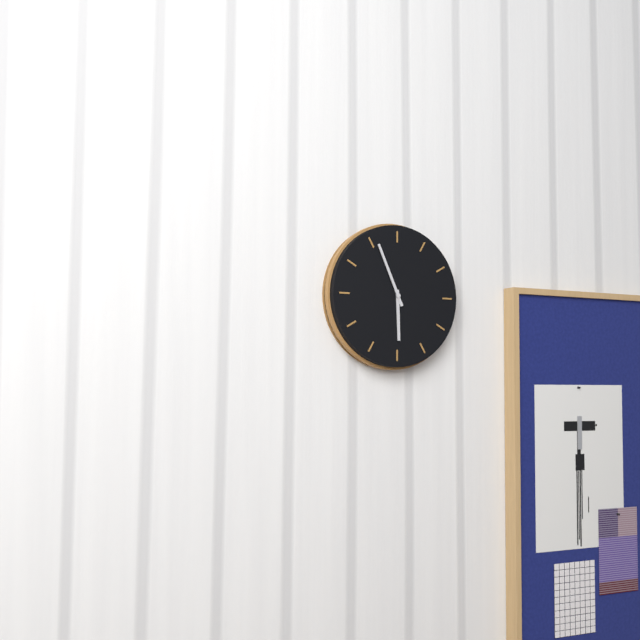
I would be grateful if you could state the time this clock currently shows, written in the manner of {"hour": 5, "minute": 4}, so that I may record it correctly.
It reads {"hour": 5, "minute": 56}
